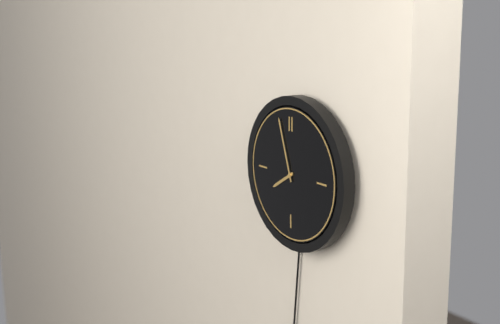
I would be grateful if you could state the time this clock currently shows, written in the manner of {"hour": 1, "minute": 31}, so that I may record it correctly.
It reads {"hour": 7, "minute": 57}
